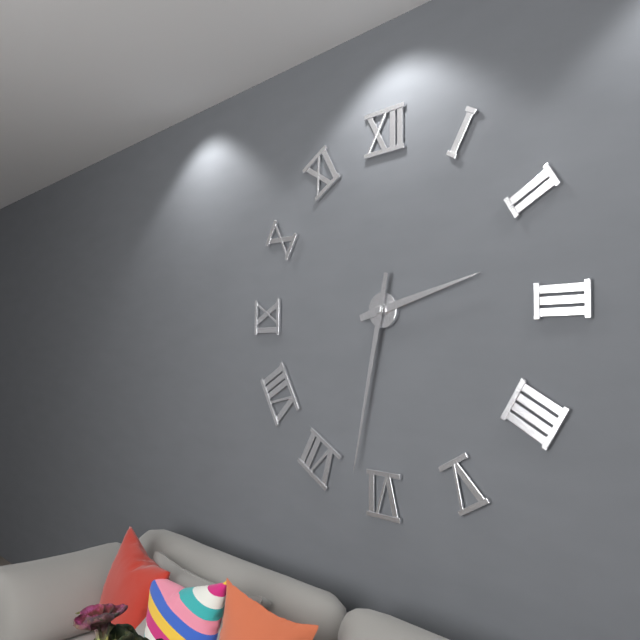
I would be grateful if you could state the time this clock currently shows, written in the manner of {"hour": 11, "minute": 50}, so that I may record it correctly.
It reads {"hour": 2, "minute": 32}
